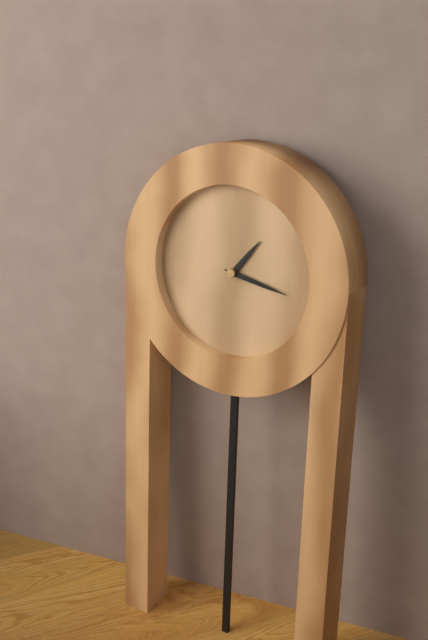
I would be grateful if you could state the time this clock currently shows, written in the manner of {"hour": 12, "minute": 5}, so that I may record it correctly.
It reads {"hour": 1, "minute": 17}
